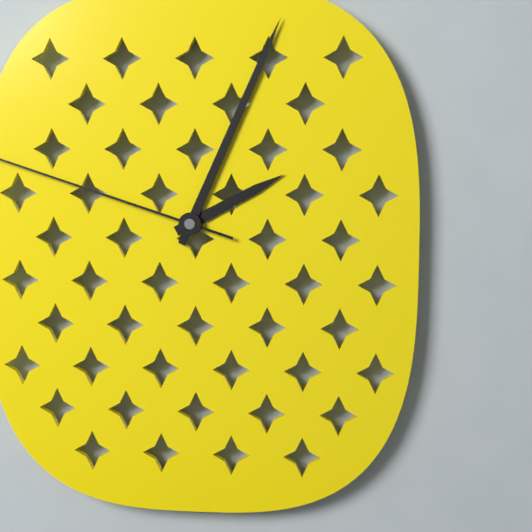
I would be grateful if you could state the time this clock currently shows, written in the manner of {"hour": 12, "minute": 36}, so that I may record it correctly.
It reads {"hour": 2, "minute": 4}
